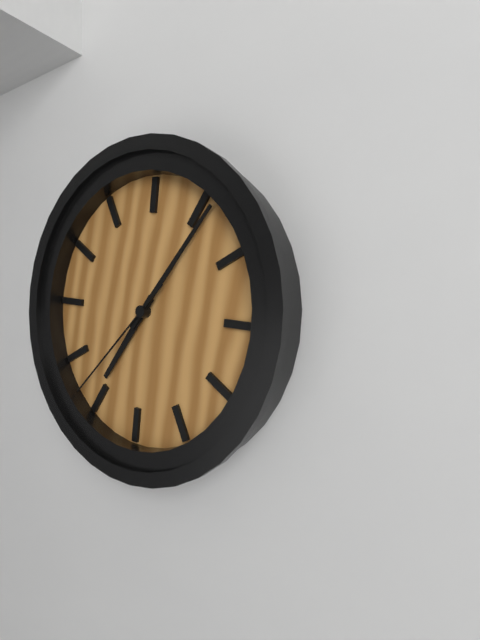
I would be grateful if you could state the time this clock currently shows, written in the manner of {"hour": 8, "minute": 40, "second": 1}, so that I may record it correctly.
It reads {"hour": 7, "minute": 6, "second": 37}
